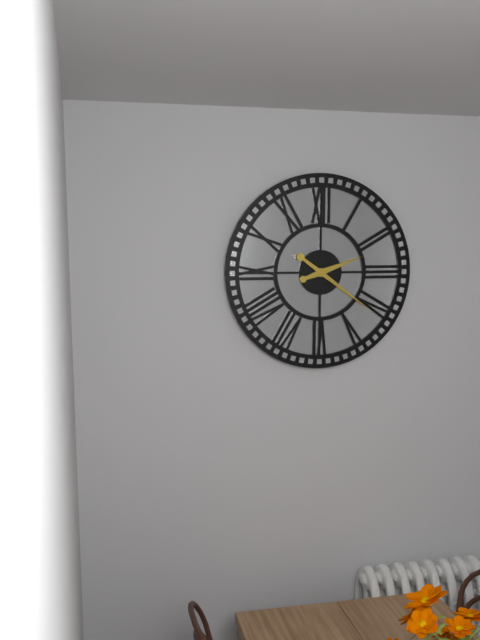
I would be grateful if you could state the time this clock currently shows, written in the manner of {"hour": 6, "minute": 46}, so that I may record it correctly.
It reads {"hour": 2, "minute": 21}
